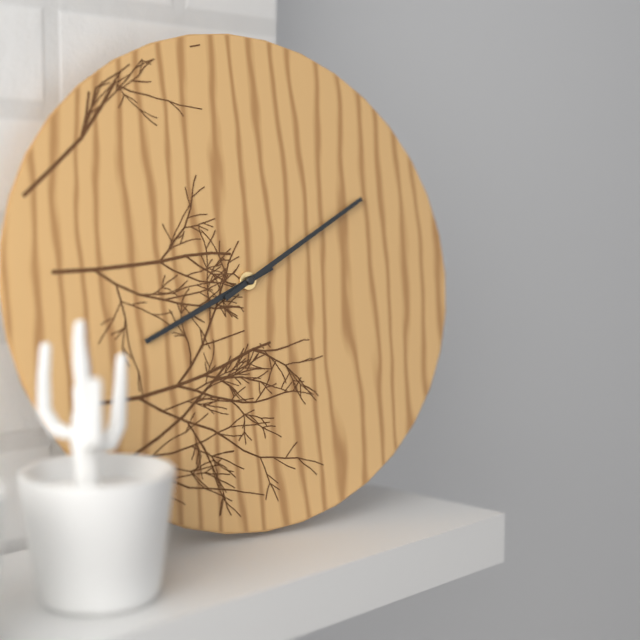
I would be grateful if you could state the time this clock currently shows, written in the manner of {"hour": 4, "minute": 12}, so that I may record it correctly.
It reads {"hour": 8, "minute": 10}
